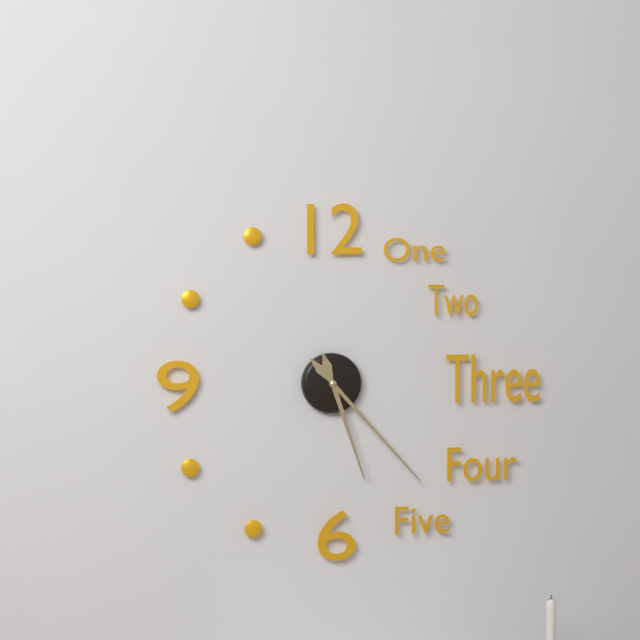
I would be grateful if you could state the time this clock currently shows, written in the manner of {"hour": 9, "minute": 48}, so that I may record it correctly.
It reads {"hour": 5, "minute": 23}
